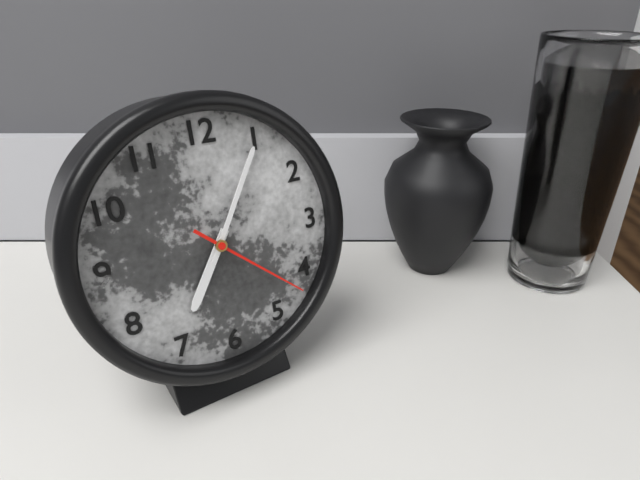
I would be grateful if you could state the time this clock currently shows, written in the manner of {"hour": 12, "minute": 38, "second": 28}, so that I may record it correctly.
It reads {"hour": 7, "minute": 5, "second": 22}
